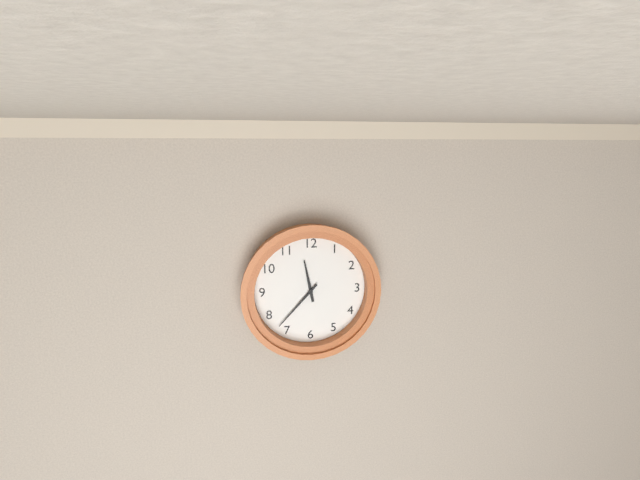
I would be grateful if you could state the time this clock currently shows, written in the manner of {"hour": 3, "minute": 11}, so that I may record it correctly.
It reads {"hour": 11, "minute": 37}
